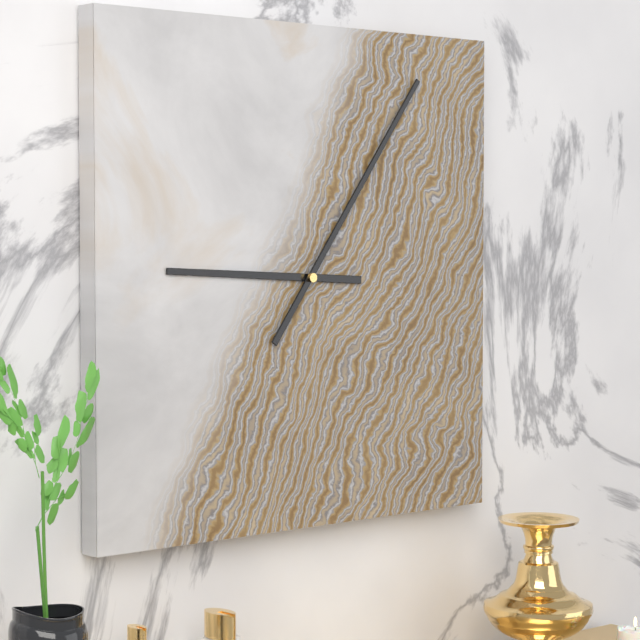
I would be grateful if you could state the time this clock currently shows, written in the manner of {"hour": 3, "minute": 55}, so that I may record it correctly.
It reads {"hour": 9, "minute": 6}
